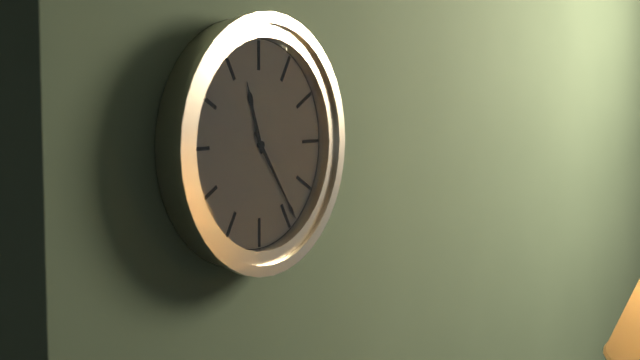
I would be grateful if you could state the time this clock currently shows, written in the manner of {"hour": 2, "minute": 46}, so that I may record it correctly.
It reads {"hour": 11, "minute": 24}
